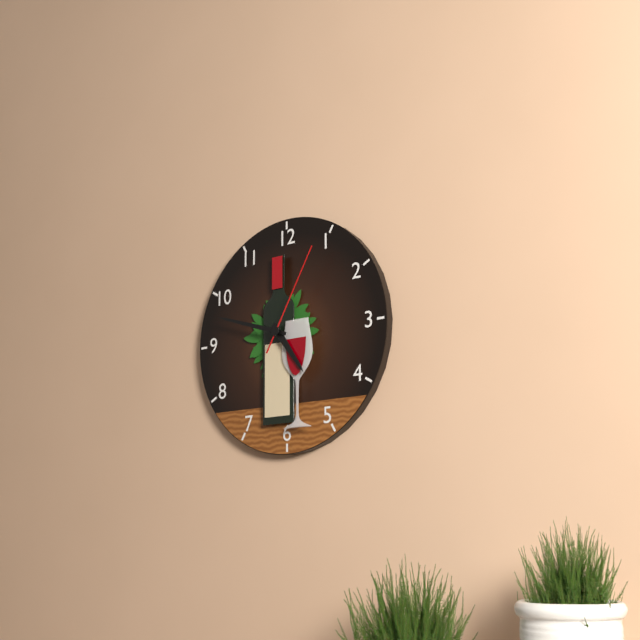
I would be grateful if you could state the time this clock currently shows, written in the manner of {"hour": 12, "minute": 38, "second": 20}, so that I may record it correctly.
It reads {"hour": 4, "minute": 48, "second": 5}
